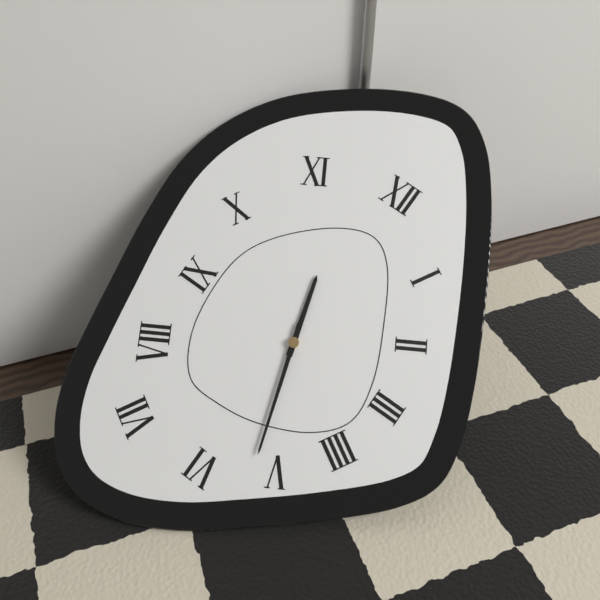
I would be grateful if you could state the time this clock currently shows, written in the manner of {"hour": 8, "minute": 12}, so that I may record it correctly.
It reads {"hour": 11, "minute": 27}
